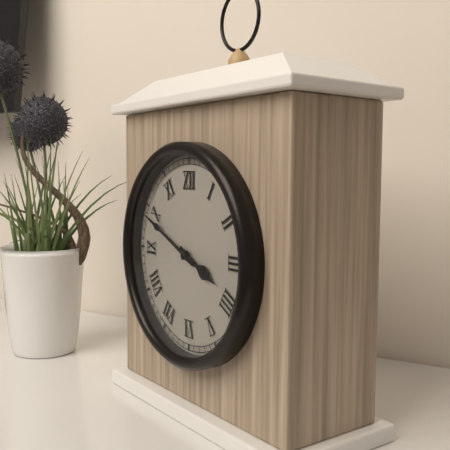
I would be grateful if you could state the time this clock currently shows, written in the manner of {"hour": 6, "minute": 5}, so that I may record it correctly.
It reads {"hour": 3, "minute": 49}
